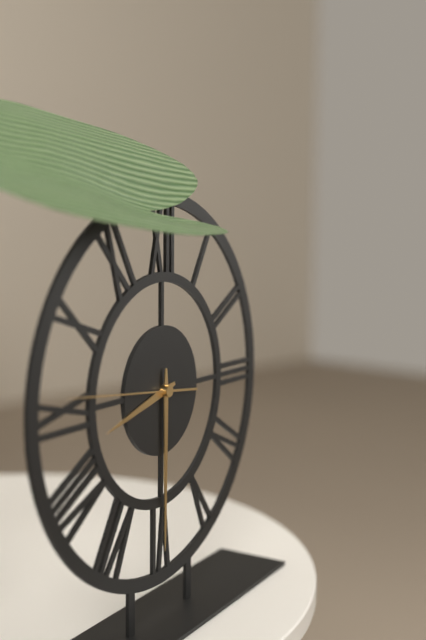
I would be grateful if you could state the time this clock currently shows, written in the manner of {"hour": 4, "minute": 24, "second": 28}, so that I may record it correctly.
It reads {"hour": 8, "minute": 30, "second": 46}
